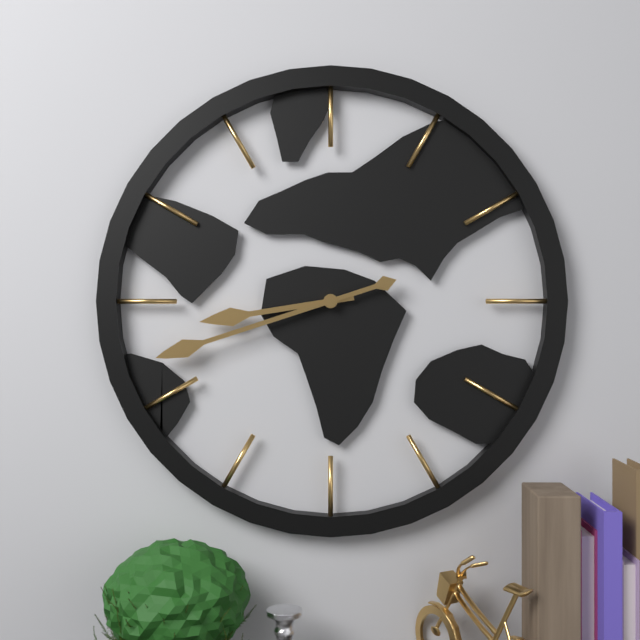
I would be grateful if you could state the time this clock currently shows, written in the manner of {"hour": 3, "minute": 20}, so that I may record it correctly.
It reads {"hour": 8, "minute": 42}
